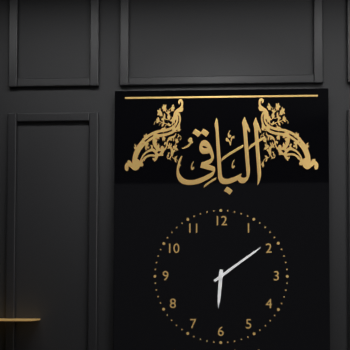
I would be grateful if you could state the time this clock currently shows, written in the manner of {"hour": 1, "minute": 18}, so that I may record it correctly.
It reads {"hour": 6, "minute": 9}
